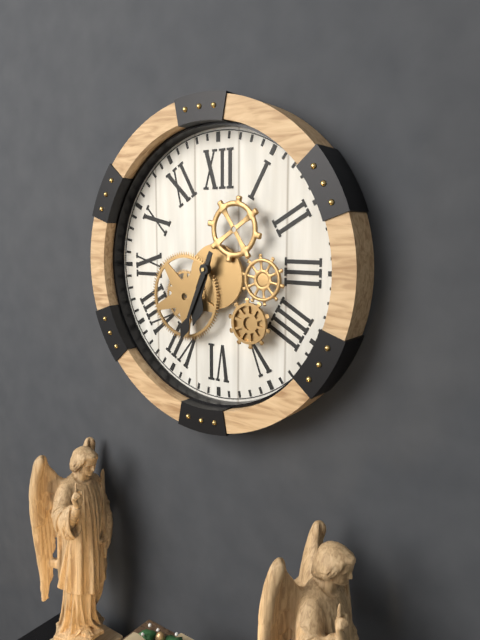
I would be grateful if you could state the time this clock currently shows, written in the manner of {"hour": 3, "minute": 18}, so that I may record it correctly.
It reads {"hour": 6, "minute": 34}
